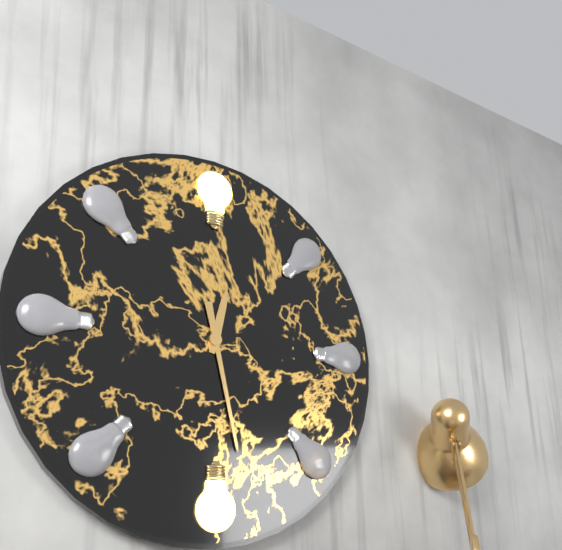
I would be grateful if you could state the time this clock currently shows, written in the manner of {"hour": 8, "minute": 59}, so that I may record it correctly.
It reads {"hour": 12, "minute": 28}
